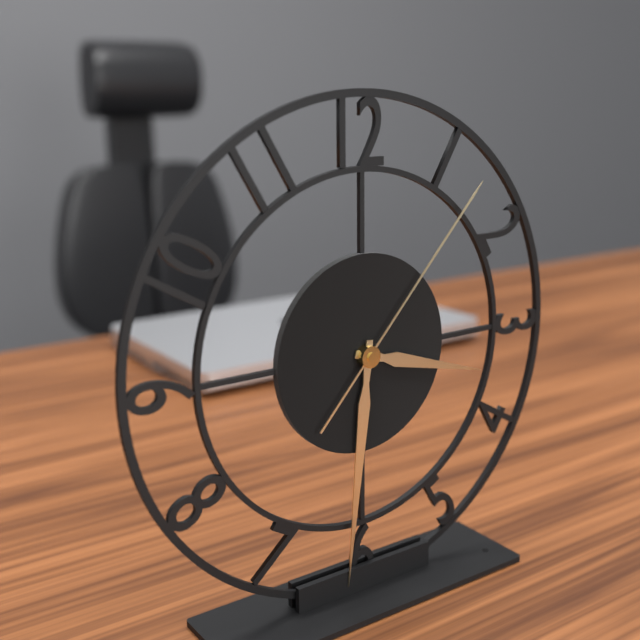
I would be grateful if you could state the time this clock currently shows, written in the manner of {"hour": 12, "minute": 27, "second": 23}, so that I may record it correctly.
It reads {"hour": 3, "minute": 31, "second": 7}
